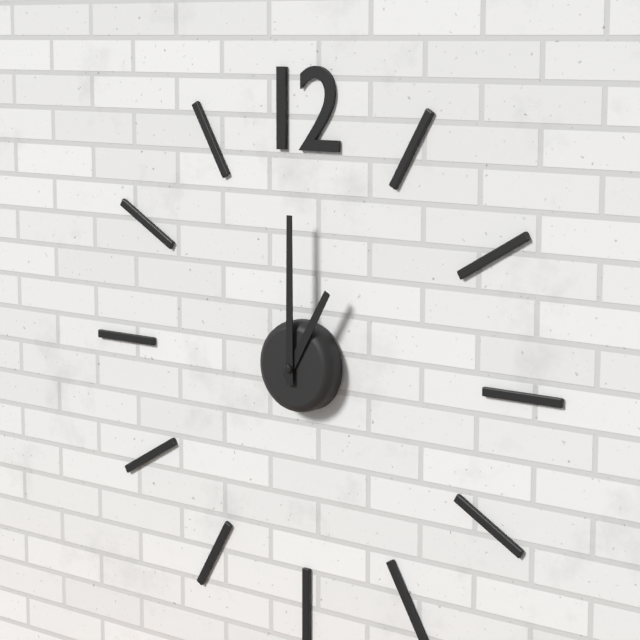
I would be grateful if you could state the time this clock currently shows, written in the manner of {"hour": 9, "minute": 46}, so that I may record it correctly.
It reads {"hour": 1, "minute": 0}
